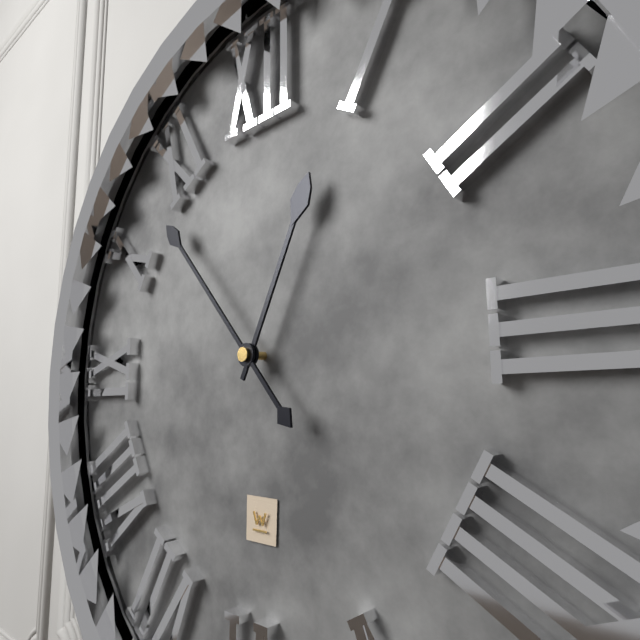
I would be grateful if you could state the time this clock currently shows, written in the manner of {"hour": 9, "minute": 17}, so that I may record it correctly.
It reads {"hour": 12, "minute": 53}
